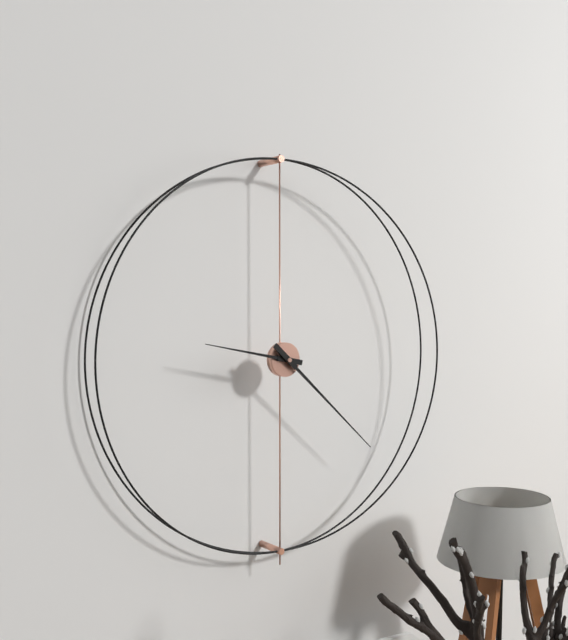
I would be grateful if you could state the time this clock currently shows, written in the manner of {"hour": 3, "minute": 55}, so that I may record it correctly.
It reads {"hour": 9, "minute": 22}
